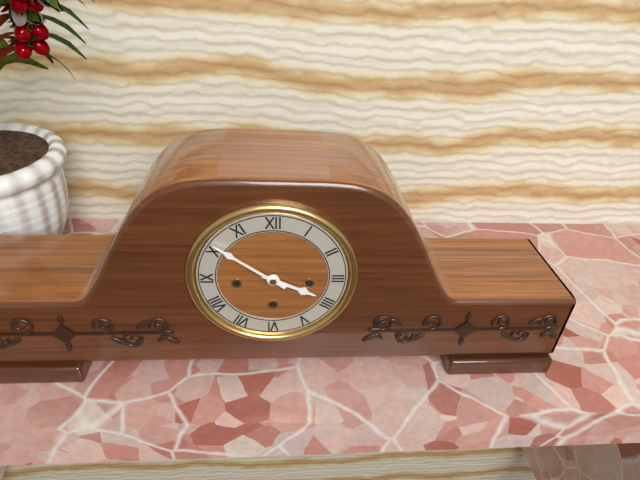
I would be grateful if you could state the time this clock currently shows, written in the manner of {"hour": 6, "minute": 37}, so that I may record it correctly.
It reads {"hour": 3, "minute": 51}
